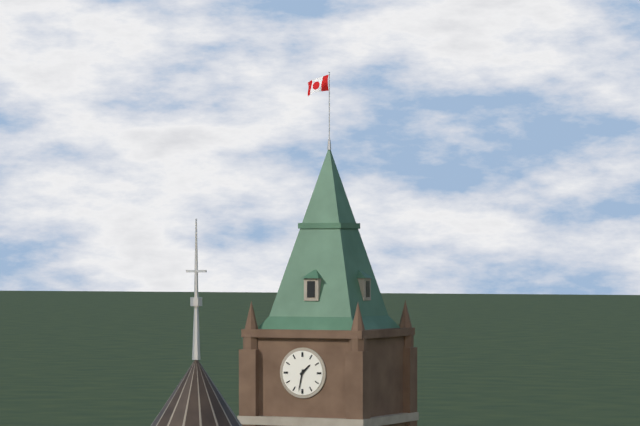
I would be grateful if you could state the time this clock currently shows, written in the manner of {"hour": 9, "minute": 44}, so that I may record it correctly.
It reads {"hour": 1, "minute": 32}
